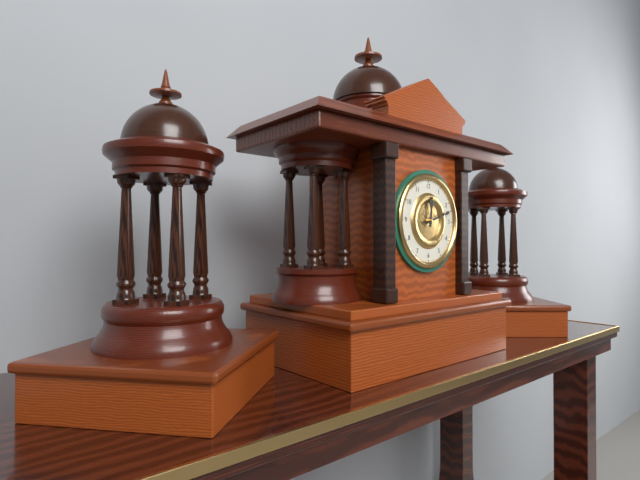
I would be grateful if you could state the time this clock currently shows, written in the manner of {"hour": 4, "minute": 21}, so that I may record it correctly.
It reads {"hour": 12, "minute": 12}
